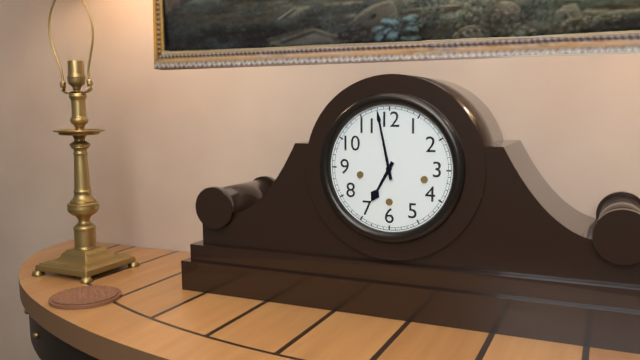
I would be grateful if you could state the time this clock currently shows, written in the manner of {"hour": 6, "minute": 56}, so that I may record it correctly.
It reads {"hour": 6, "minute": 58}
